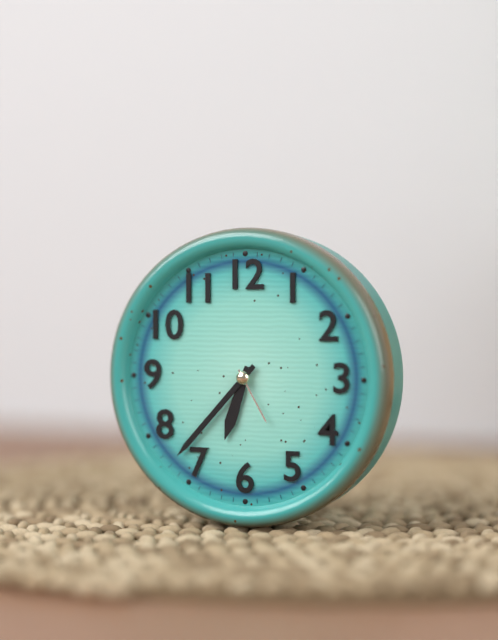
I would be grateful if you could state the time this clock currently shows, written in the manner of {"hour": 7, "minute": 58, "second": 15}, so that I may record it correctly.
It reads {"hour": 6, "minute": 37, "second": 25}
